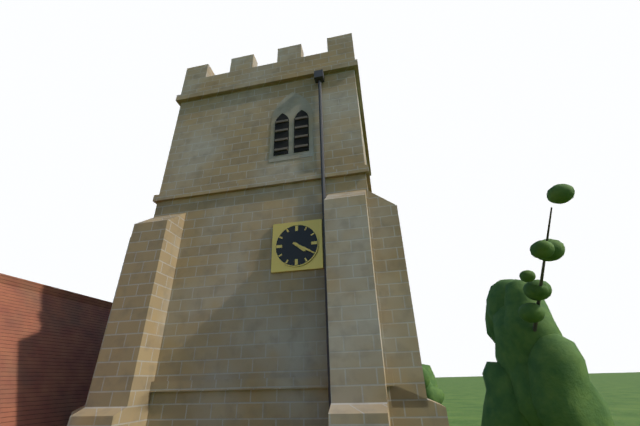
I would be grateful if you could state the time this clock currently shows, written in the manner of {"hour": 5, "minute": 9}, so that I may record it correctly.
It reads {"hour": 4, "minute": 20}
